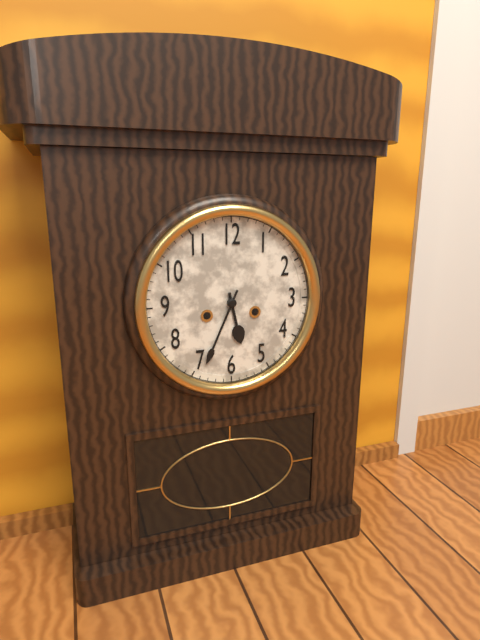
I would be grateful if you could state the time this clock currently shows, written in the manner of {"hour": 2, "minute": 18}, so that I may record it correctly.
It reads {"hour": 5, "minute": 34}
